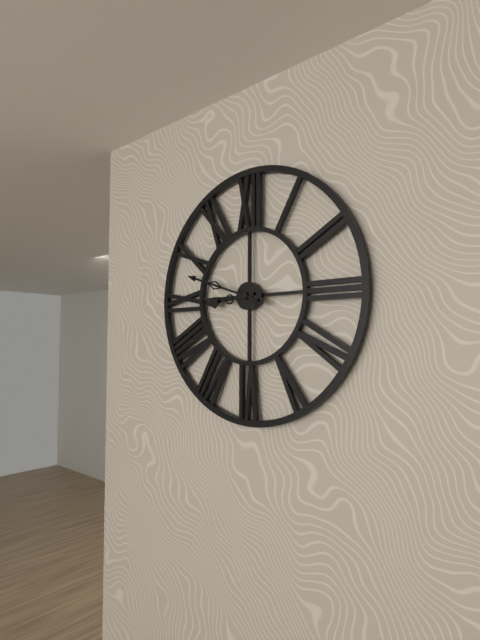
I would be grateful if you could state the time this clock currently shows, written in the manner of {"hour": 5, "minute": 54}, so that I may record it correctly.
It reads {"hour": 8, "minute": 48}
